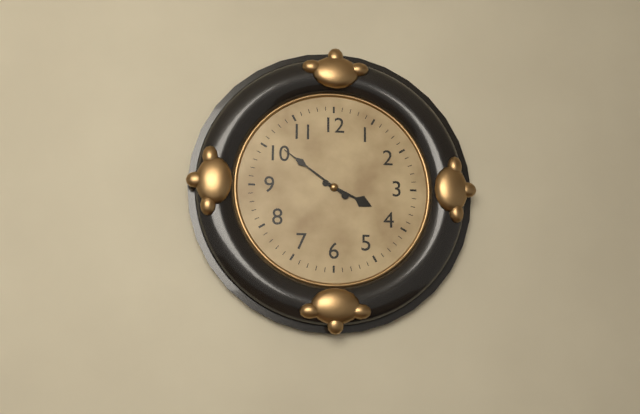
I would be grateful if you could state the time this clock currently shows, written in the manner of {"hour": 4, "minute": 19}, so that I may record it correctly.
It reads {"hour": 3, "minute": 51}
